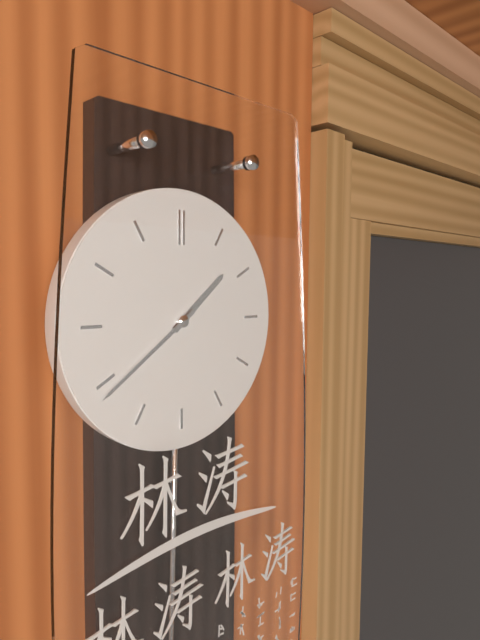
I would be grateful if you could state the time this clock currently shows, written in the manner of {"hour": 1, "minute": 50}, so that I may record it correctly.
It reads {"hour": 1, "minute": 39}
